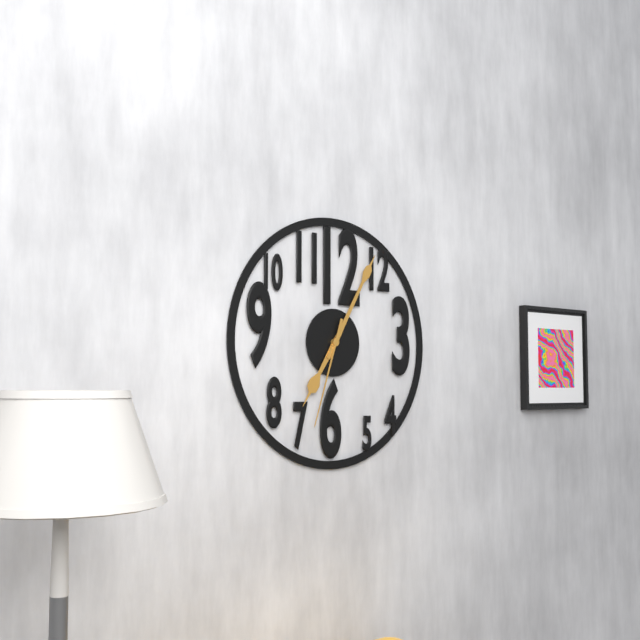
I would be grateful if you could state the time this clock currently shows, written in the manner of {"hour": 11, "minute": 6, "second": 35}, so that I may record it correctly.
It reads {"hour": 7, "minute": 5, "second": 33}
